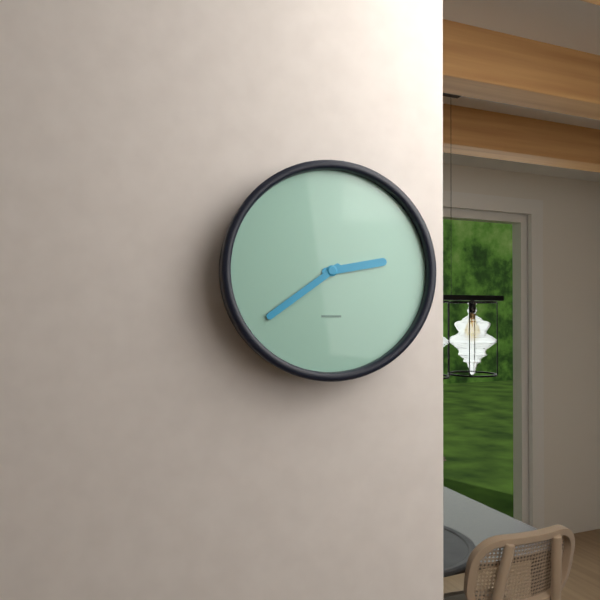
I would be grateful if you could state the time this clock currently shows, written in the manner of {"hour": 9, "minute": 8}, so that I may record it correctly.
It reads {"hour": 2, "minute": 39}
